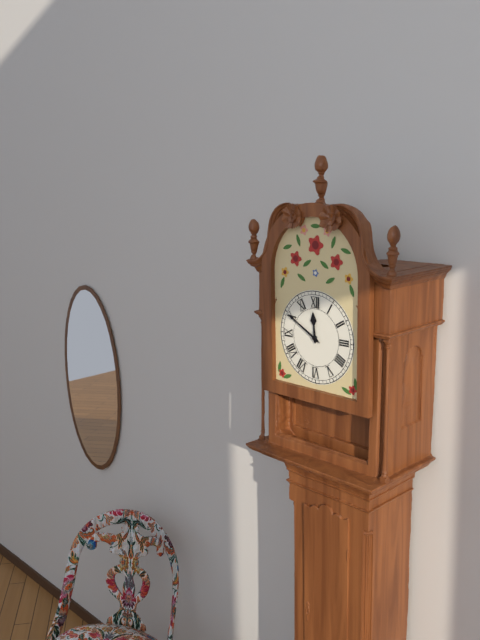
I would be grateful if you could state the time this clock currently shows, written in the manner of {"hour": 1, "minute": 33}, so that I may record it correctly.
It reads {"hour": 11, "minute": 50}
